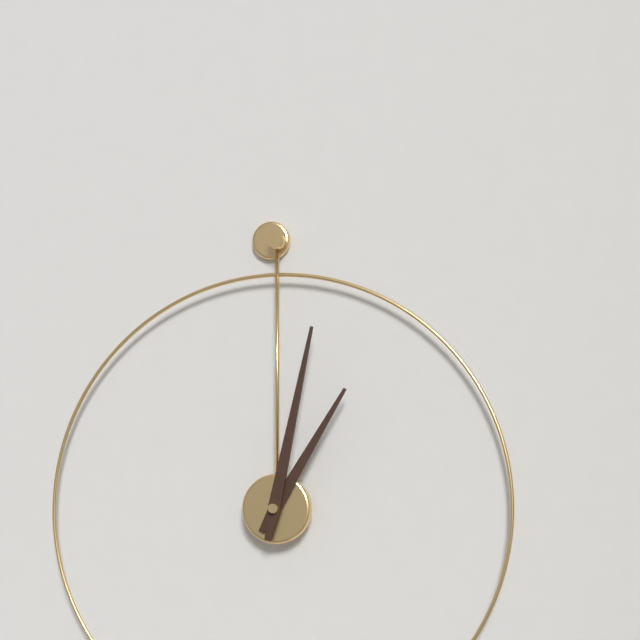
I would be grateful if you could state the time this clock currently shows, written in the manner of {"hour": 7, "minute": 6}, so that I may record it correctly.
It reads {"hour": 1, "minute": 2}
